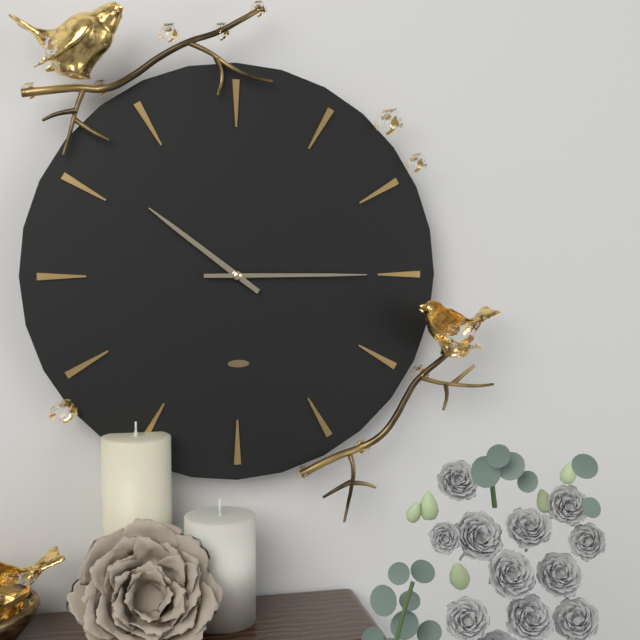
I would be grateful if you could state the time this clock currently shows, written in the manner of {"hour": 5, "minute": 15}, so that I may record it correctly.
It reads {"hour": 10, "minute": 15}
